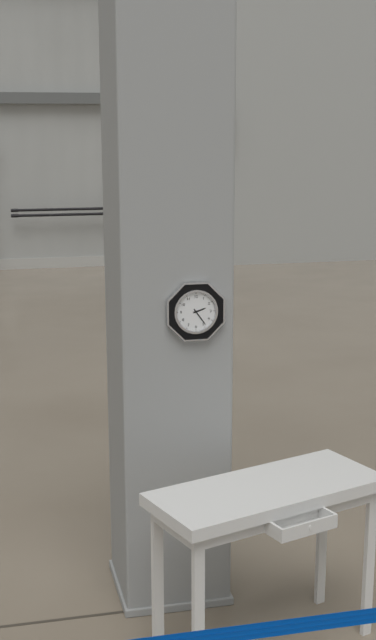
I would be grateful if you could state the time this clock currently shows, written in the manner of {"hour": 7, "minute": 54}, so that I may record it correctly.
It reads {"hour": 2, "minute": 24}
